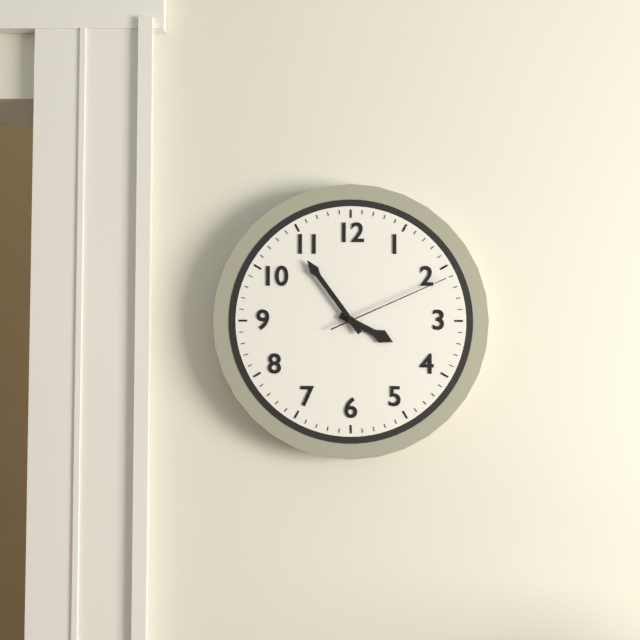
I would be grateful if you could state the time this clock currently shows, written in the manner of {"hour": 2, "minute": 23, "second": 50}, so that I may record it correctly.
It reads {"hour": 3, "minute": 54, "second": 11}
